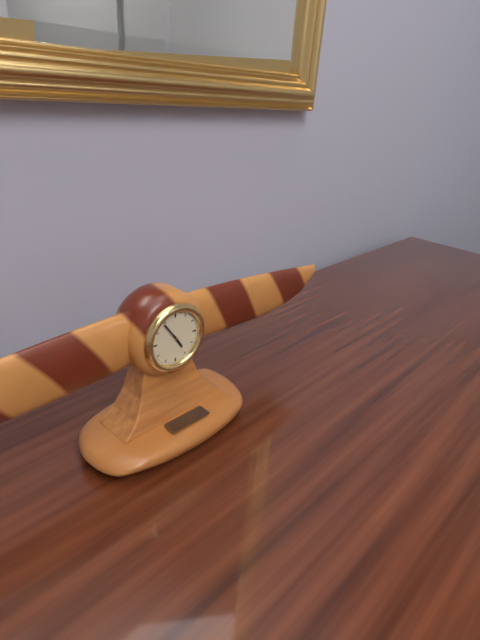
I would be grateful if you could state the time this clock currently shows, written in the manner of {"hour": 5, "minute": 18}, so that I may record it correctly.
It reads {"hour": 4, "minute": 54}
